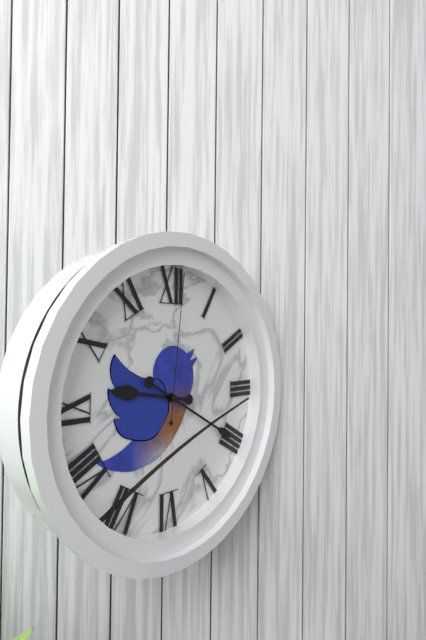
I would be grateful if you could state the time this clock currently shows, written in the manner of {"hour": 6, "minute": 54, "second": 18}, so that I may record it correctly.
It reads {"hour": 9, "minute": 20, "second": 1}
